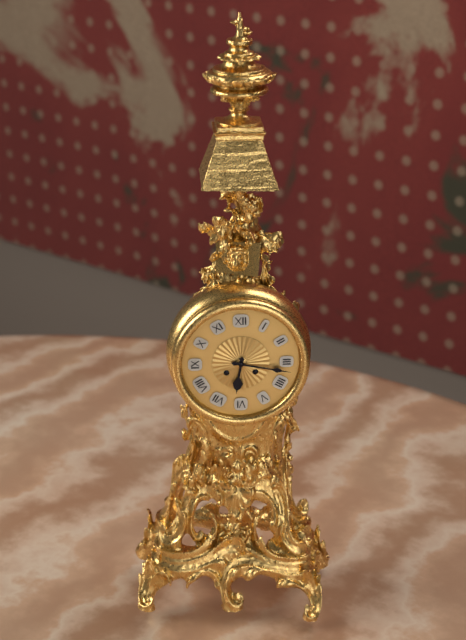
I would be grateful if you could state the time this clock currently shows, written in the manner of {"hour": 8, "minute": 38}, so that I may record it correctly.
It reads {"hour": 6, "minute": 17}
